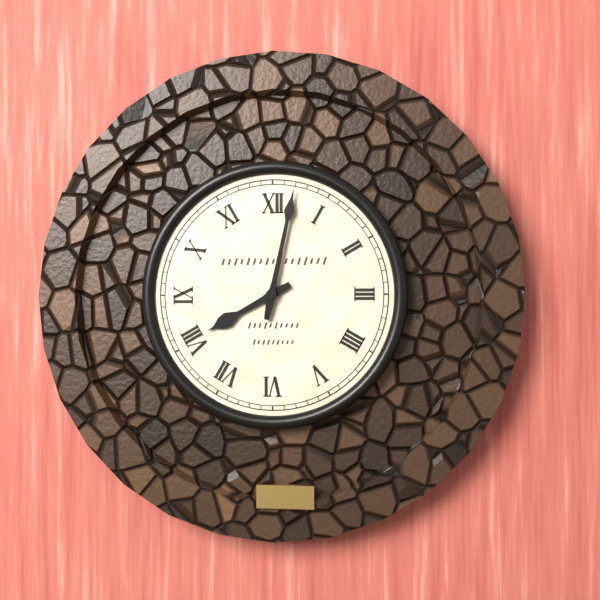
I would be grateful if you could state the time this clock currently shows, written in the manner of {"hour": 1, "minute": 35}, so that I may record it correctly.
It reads {"hour": 8, "minute": 2}
